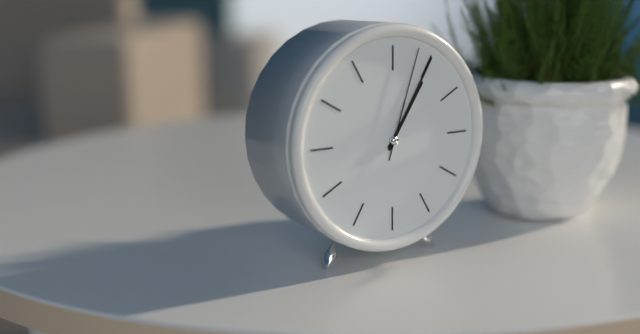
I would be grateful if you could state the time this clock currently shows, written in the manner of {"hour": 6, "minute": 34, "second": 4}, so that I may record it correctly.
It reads {"hour": 1, "minute": 5, "second": 3}
